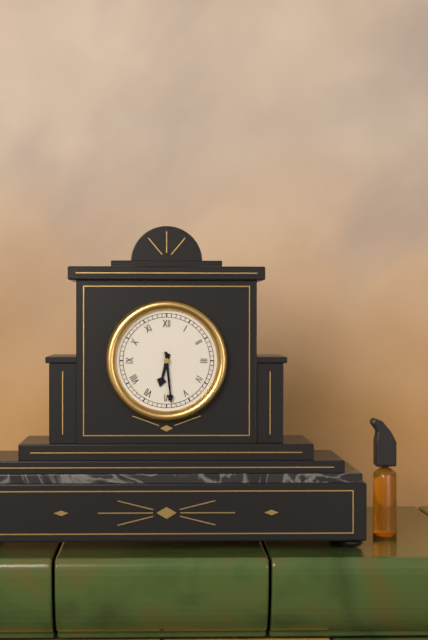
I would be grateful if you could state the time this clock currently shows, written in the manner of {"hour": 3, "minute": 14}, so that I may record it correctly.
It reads {"hour": 6, "minute": 29}
